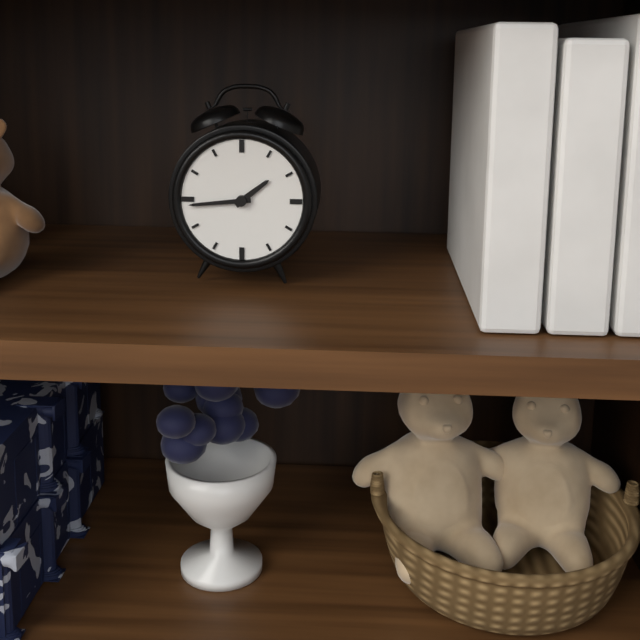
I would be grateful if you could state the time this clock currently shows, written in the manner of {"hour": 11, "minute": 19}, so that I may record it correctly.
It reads {"hour": 1, "minute": 44}
